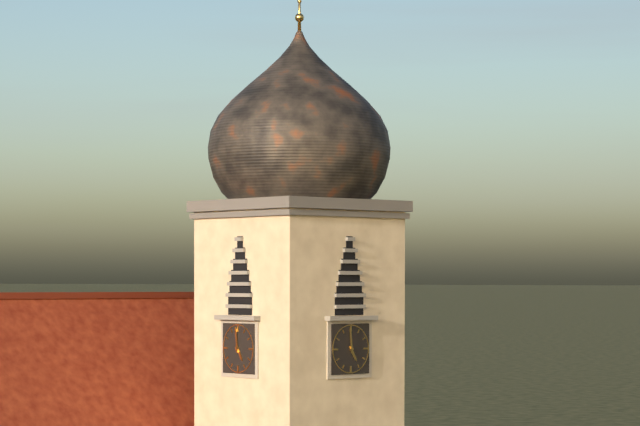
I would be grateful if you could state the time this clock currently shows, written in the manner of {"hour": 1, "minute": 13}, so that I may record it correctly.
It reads {"hour": 4, "minute": 59}
